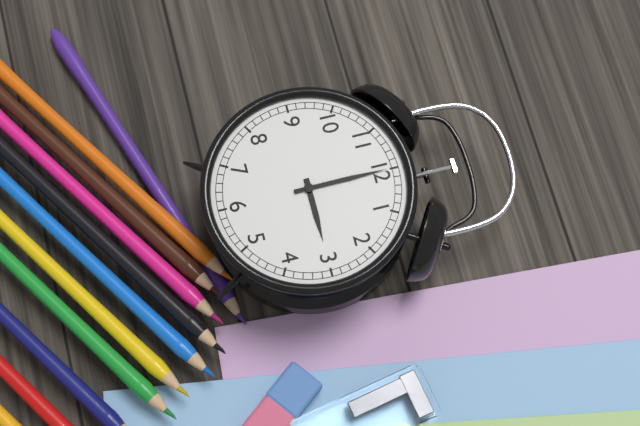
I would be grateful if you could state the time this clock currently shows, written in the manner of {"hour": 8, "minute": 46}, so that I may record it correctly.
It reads {"hour": 3, "minute": 0}
